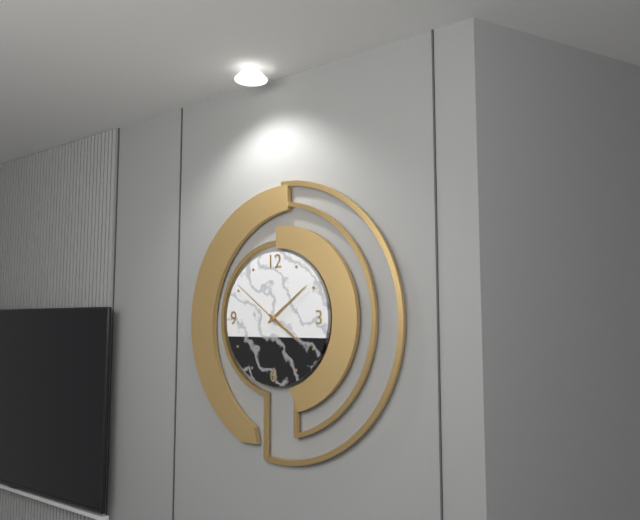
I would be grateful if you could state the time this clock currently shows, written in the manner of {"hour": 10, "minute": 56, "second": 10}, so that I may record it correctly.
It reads {"hour": 4, "minute": 9, "second": 51}
